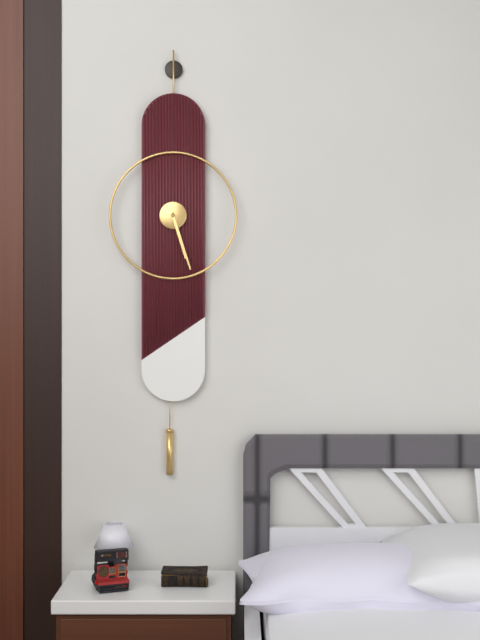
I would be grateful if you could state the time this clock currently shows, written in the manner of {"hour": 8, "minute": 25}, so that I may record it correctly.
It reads {"hour": 5, "minute": 27}
